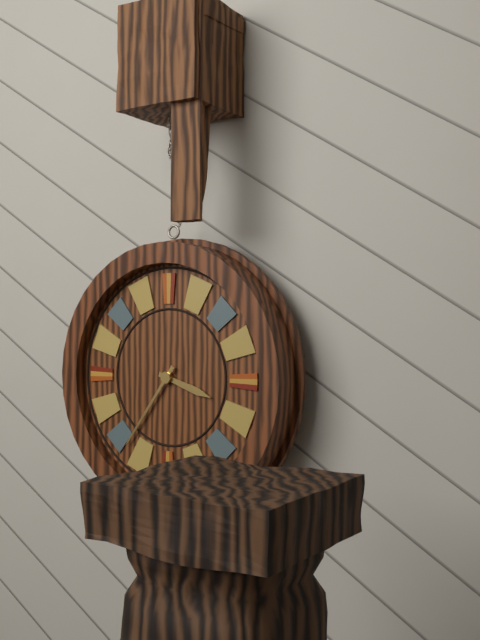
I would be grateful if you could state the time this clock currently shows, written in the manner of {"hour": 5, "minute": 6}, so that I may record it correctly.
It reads {"hour": 3, "minute": 36}
